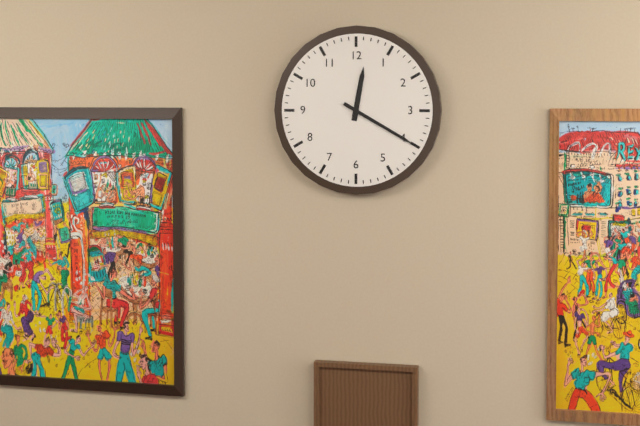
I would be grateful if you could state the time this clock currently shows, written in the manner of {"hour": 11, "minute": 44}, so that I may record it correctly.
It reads {"hour": 12, "minute": 20}
